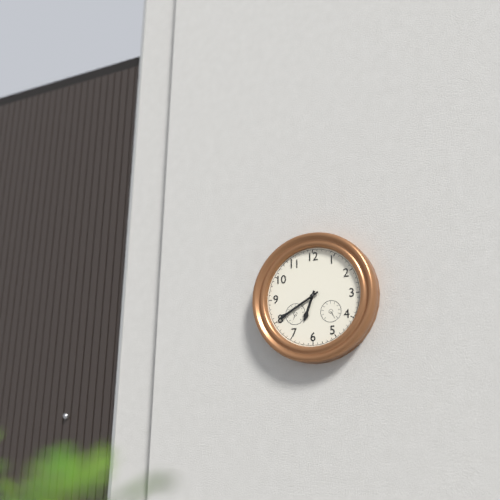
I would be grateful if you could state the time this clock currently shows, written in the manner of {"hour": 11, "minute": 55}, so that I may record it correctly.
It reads {"hour": 6, "minute": 40}
